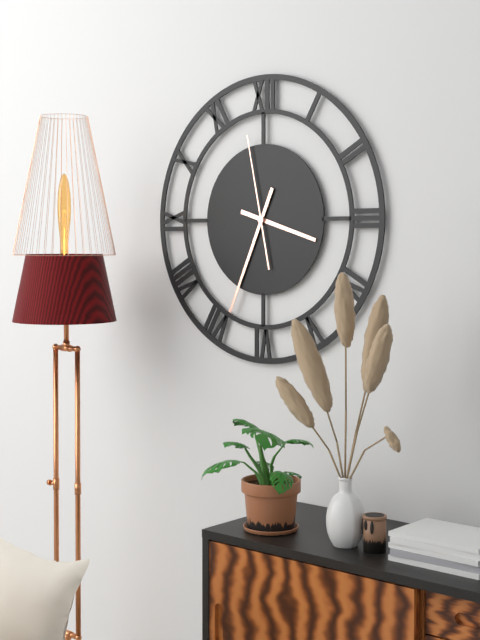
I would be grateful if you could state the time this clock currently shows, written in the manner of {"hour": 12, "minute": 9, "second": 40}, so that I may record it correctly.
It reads {"hour": 3, "minute": 34, "second": 58}
